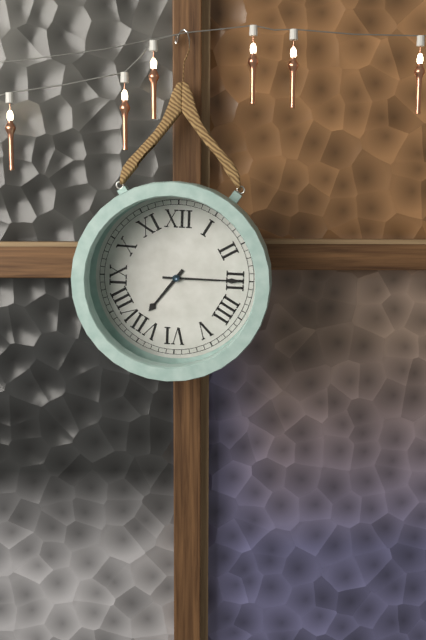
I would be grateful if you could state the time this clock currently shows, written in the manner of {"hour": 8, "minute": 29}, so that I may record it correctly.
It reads {"hour": 7, "minute": 15}
